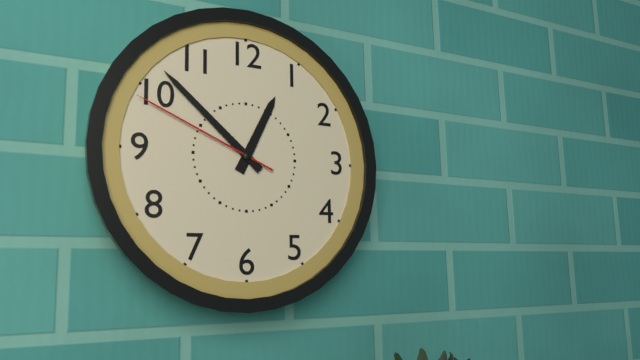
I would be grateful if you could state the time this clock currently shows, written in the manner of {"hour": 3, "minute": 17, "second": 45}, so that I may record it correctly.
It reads {"hour": 12, "minute": 52, "second": 49}
